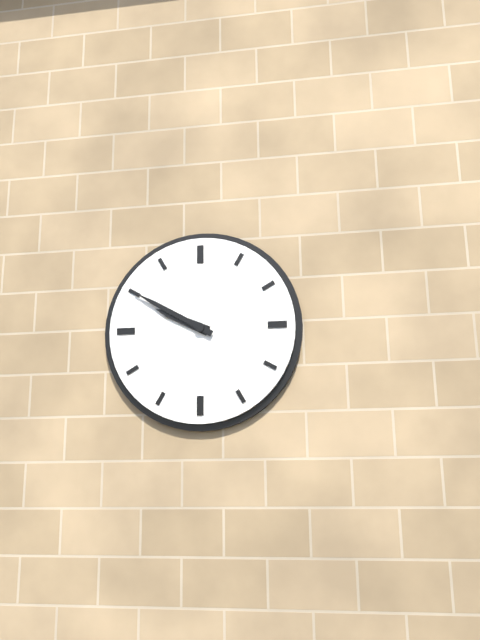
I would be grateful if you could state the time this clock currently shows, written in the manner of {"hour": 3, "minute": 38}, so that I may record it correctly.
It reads {"hour": 9, "minute": 50}
